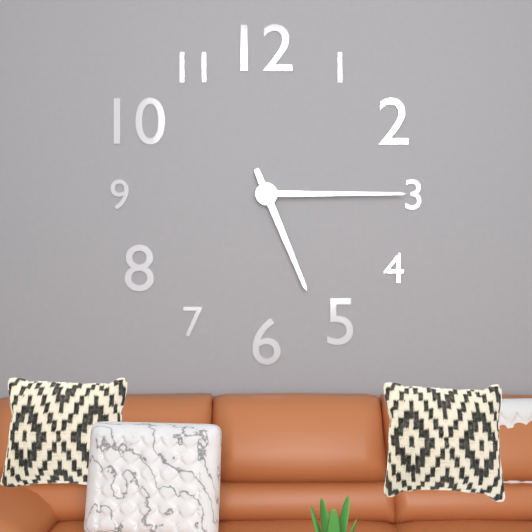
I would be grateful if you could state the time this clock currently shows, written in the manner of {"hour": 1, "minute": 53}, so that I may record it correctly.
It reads {"hour": 5, "minute": 15}
